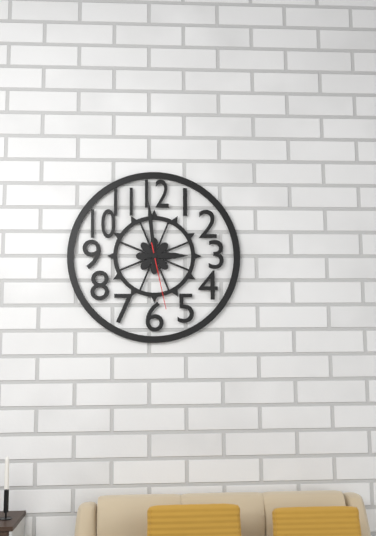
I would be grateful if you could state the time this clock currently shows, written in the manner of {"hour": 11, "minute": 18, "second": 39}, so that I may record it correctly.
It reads {"hour": 2, "minute": 59, "second": 28}
